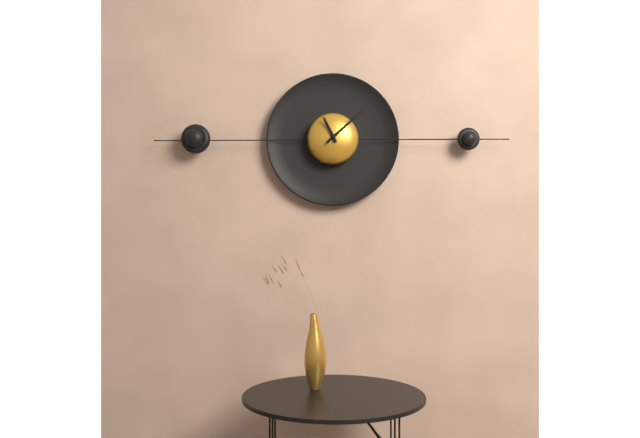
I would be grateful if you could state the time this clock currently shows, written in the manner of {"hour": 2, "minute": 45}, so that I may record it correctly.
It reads {"hour": 11, "minute": 8}
